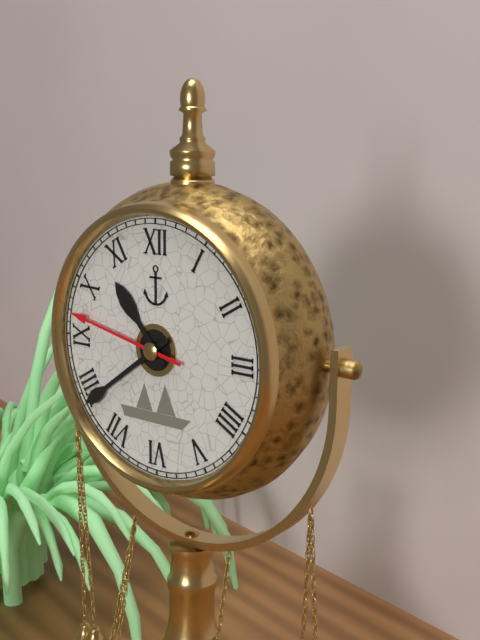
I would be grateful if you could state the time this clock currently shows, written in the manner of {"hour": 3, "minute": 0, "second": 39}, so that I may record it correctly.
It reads {"hour": 10, "minute": 39, "second": 47}
